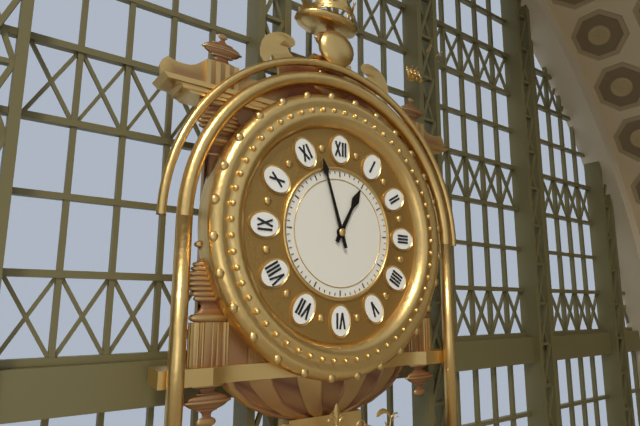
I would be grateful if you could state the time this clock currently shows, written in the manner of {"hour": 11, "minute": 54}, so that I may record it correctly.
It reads {"hour": 12, "minute": 57}
